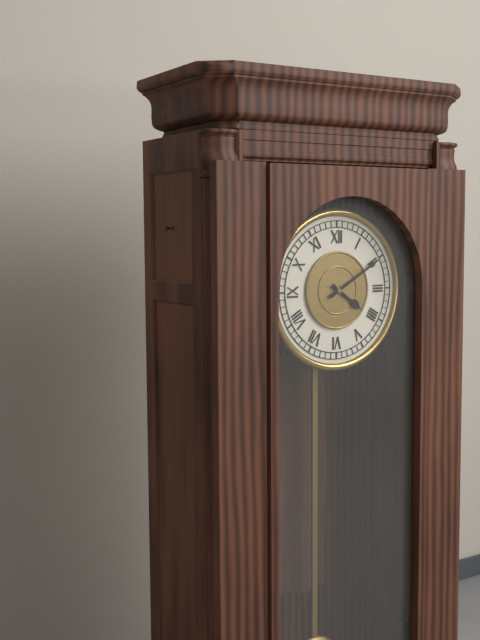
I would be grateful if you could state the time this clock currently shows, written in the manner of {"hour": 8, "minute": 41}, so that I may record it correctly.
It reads {"hour": 4, "minute": 10}
